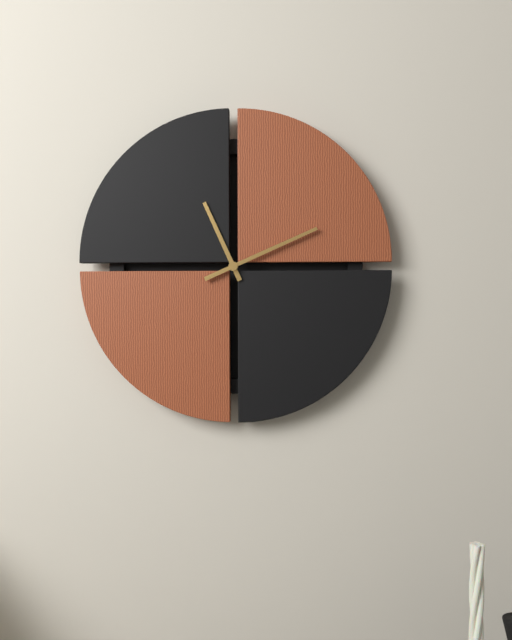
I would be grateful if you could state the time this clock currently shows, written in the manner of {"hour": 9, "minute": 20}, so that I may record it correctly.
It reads {"hour": 11, "minute": 11}
